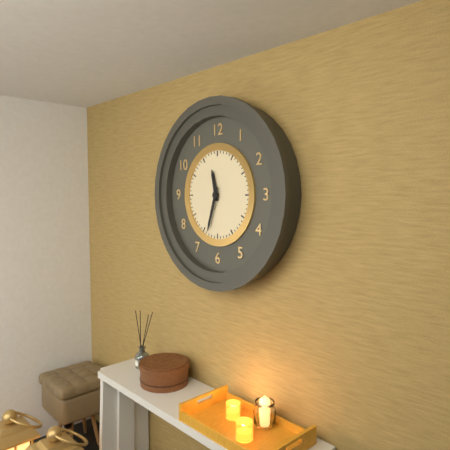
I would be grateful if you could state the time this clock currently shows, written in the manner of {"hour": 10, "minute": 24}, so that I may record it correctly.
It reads {"hour": 11, "minute": 33}
